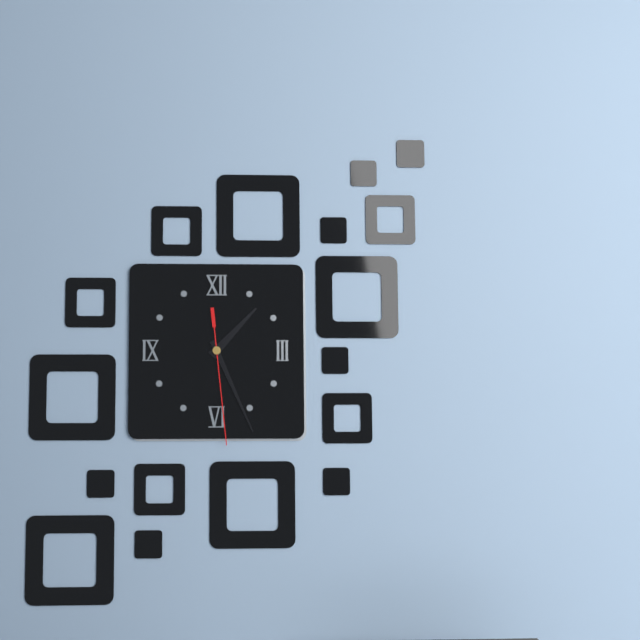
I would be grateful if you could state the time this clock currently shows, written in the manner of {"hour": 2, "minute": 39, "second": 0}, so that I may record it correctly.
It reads {"hour": 1, "minute": 26, "second": 29}
